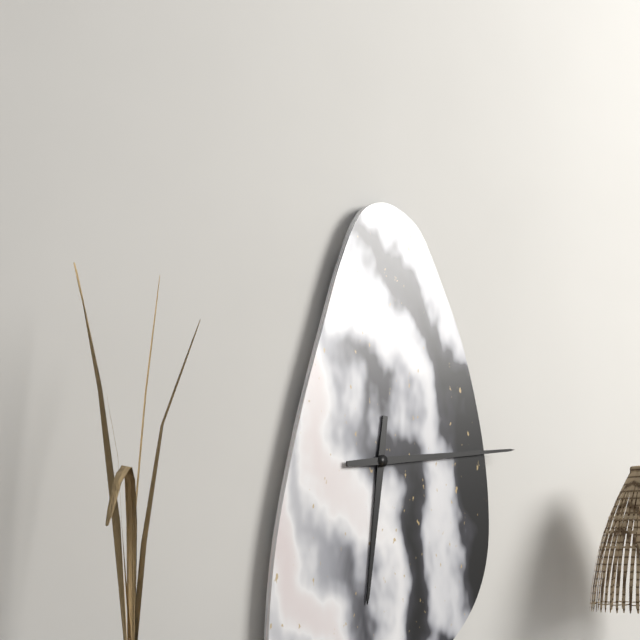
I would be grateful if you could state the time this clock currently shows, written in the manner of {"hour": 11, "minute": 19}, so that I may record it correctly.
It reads {"hour": 6, "minute": 14}
